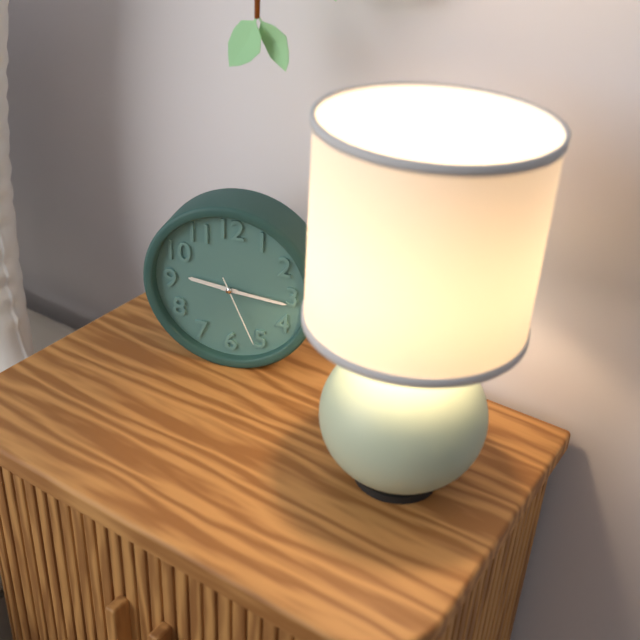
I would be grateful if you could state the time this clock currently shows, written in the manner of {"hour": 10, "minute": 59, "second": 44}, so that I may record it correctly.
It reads {"hour": 9, "minute": 16, "second": 26}
